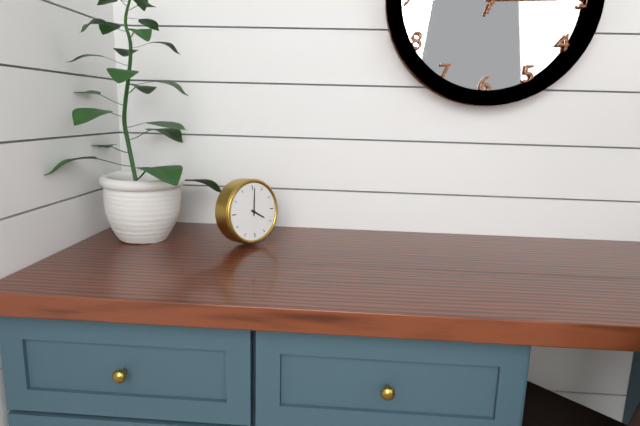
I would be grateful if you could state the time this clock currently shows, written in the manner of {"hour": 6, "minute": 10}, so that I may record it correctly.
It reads {"hour": 4, "minute": 1}
